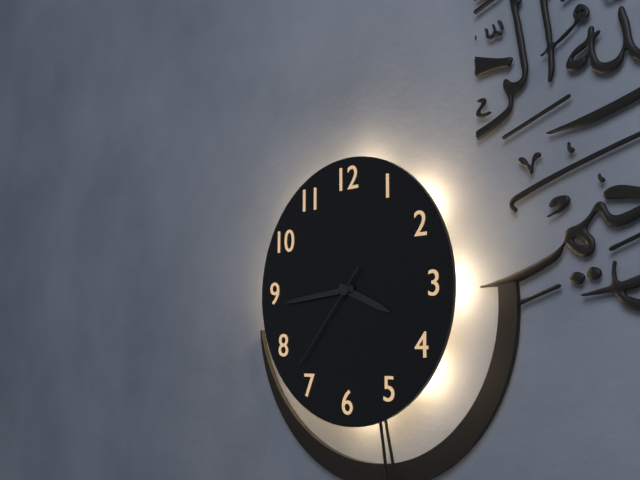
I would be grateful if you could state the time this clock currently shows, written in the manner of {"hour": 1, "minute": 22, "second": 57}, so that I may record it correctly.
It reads {"hour": 3, "minute": 44, "second": 37}
